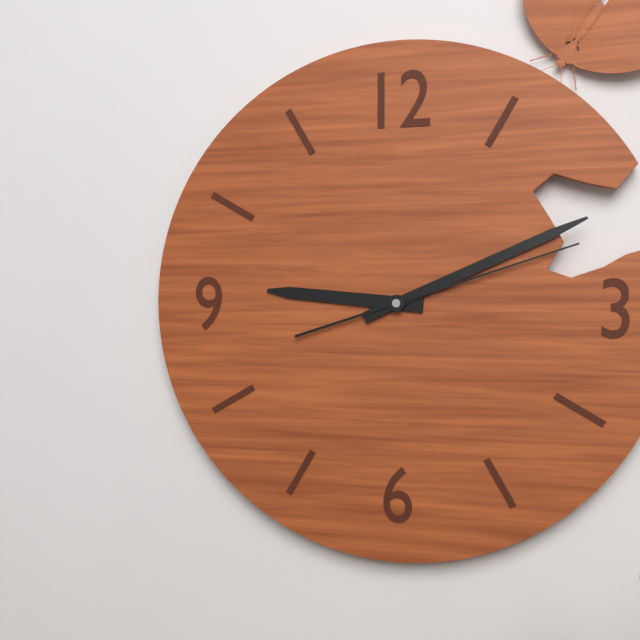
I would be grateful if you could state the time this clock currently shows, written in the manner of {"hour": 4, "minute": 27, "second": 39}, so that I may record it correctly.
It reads {"hour": 9, "minute": 11, "second": 12}
